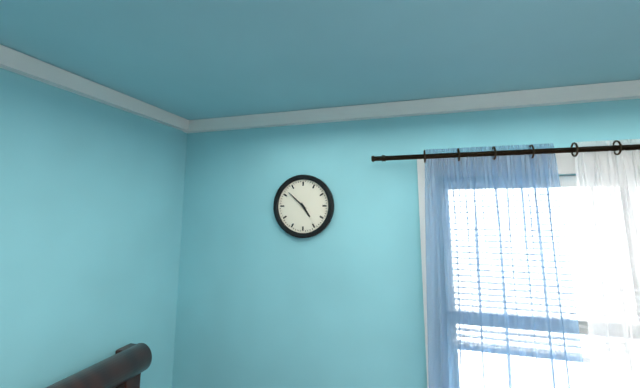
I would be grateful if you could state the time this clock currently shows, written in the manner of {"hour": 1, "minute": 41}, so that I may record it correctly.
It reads {"hour": 4, "minute": 52}
